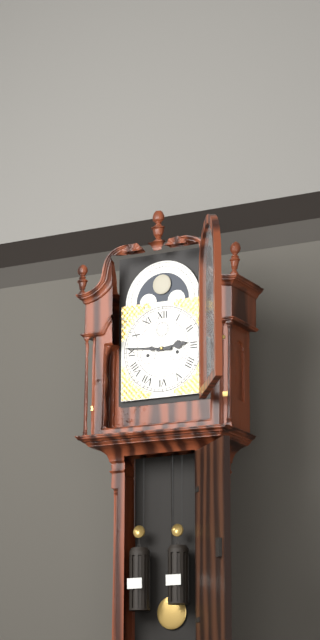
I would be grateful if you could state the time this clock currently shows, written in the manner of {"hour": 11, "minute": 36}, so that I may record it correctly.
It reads {"hour": 2, "minute": 46}
